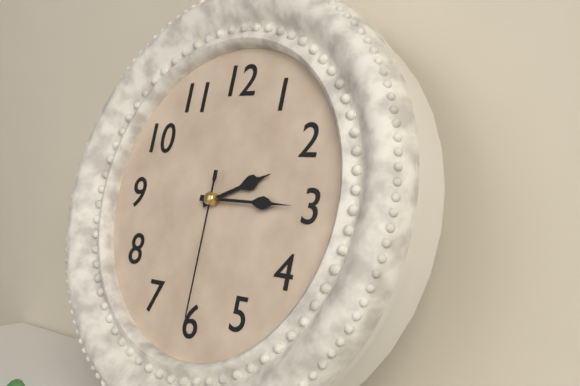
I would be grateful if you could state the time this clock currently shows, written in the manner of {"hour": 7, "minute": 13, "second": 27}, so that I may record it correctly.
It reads {"hour": 2, "minute": 15, "second": 30}
